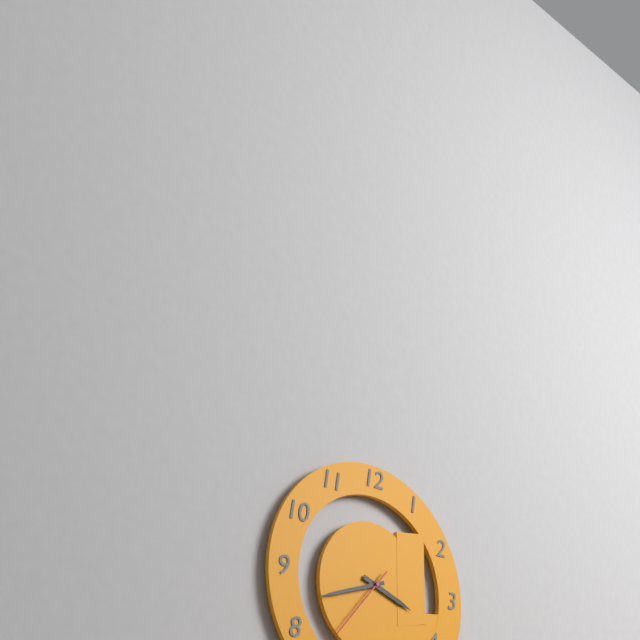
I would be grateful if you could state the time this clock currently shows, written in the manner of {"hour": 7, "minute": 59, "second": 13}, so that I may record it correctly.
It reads {"hour": 3, "minute": 42, "second": 37}
